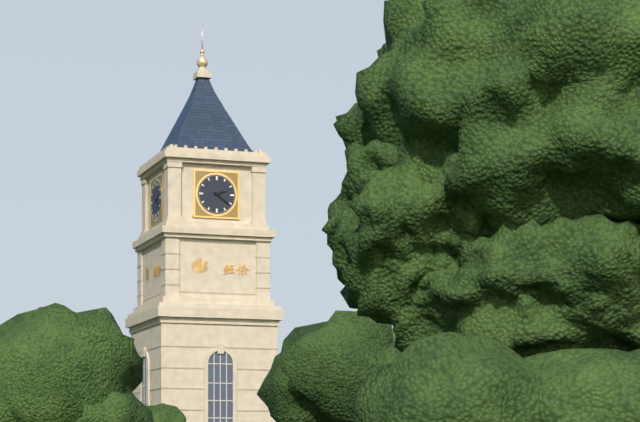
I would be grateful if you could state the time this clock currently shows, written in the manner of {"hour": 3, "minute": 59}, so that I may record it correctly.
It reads {"hour": 2, "minute": 21}
